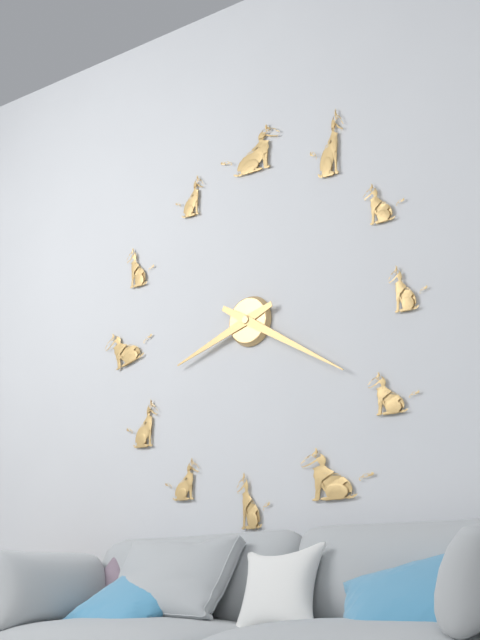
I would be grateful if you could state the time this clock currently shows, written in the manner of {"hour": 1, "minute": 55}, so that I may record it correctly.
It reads {"hour": 8, "minute": 20}
